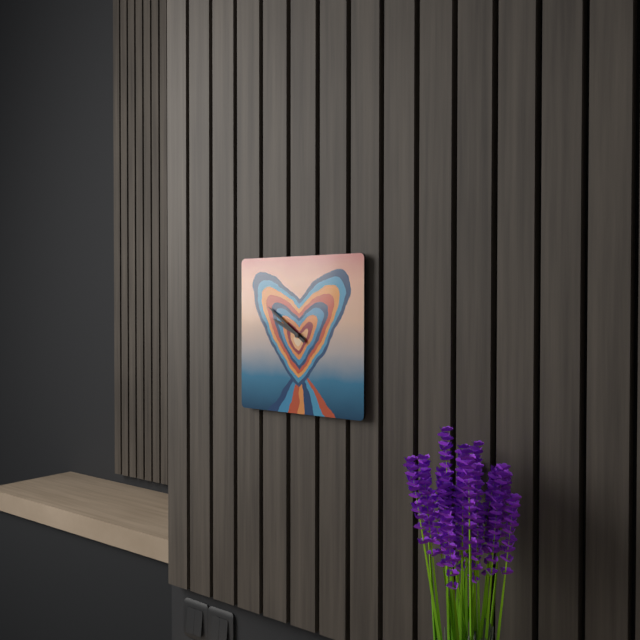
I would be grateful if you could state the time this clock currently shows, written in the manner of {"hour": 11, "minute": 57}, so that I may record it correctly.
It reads {"hour": 9, "minute": 51}
